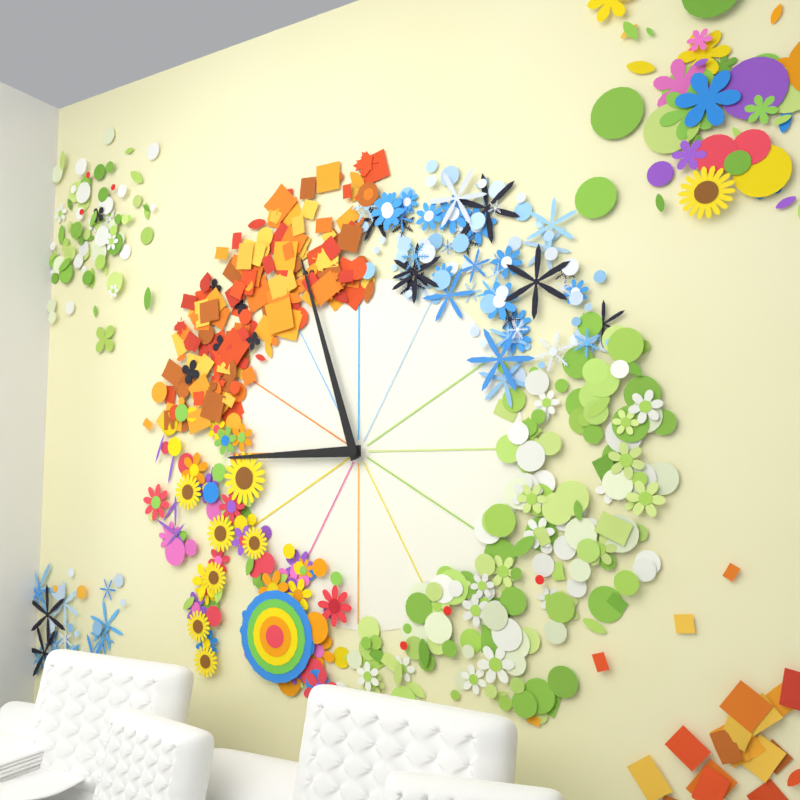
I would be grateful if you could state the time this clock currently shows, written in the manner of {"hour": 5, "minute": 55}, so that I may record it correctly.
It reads {"hour": 8, "minute": 57}
